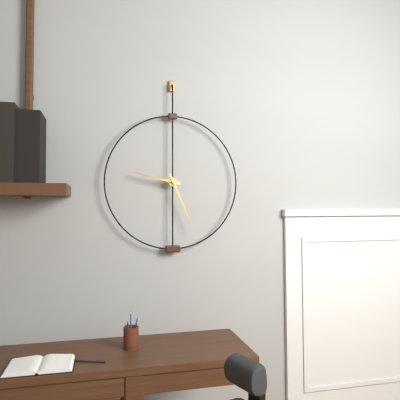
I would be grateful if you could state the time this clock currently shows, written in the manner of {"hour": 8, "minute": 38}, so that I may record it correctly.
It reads {"hour": 9, "minute": 26}
